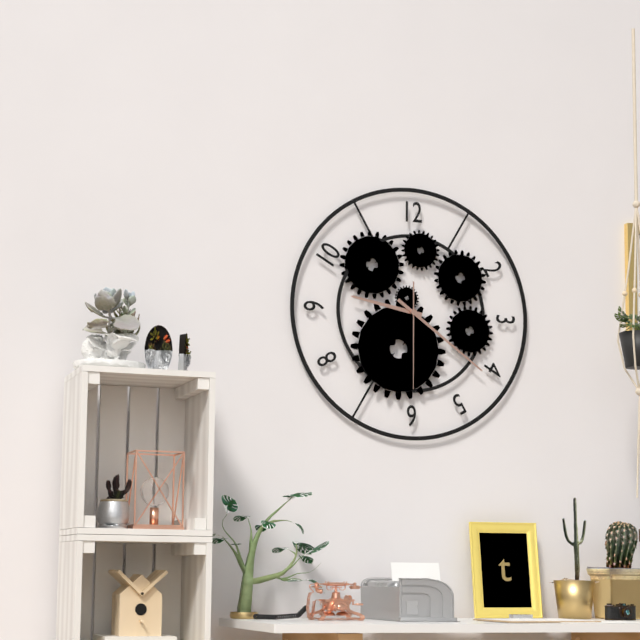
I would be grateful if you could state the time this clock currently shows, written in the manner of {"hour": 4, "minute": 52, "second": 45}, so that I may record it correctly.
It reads {"hour": 9, "minute": 21, "second": 30}
